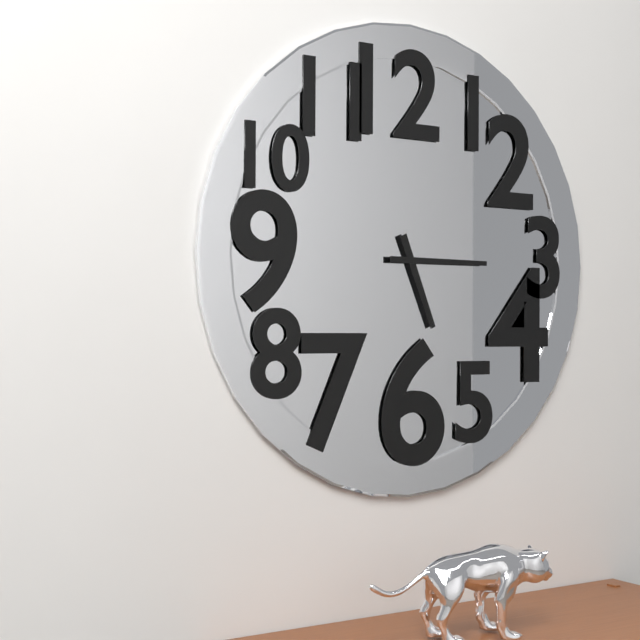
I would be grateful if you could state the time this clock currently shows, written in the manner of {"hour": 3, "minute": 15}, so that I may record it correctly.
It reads {"hour": 5, "minute": 15}
